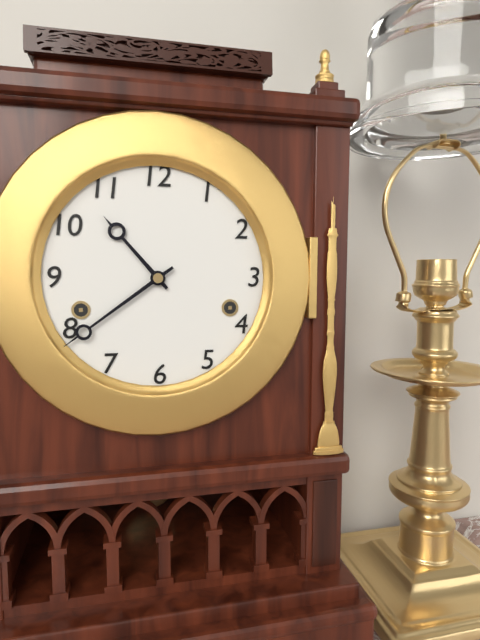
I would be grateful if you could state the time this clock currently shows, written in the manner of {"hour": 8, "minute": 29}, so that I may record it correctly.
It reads {"hour": 10, "minute": 39}
